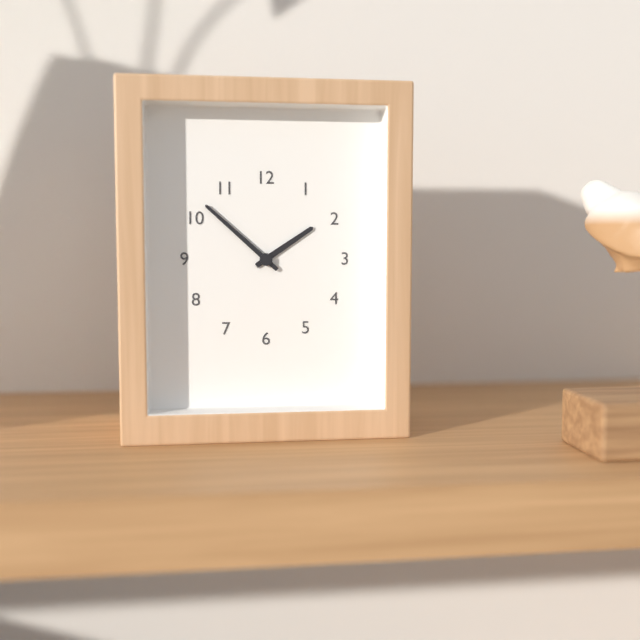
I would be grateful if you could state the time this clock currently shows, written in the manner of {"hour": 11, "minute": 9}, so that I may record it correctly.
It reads {"hour": 1, "minute": 52}
